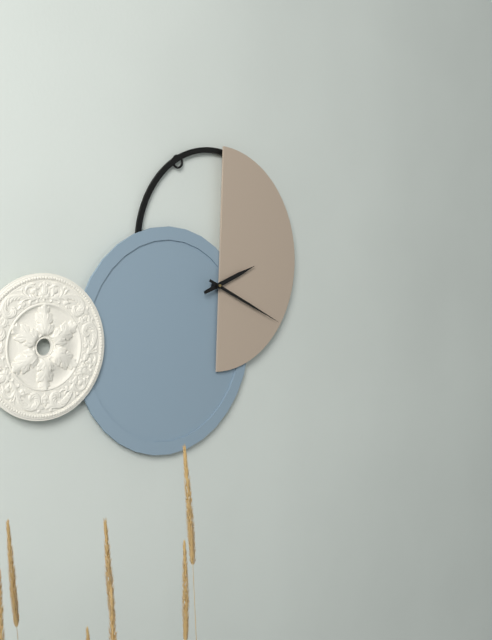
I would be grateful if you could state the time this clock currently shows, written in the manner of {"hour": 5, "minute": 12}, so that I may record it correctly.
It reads {"hour": 2, "minute": 19}
